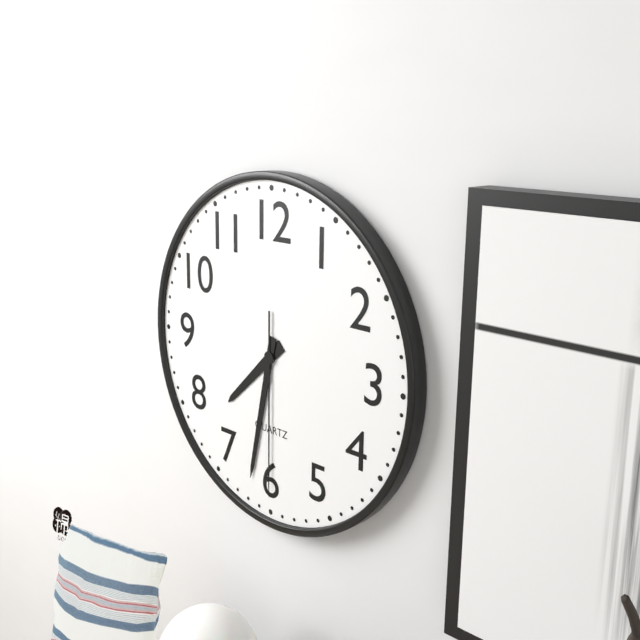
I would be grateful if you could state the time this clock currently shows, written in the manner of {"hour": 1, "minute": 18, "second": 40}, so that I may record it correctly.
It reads {"hour": 7, "minute": 32, "second": 30}
